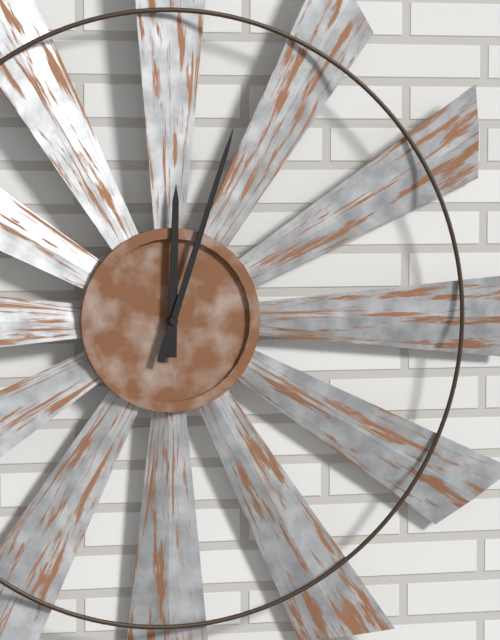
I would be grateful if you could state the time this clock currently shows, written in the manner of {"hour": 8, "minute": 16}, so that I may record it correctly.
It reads {"hour": 12, "minute": 3}
